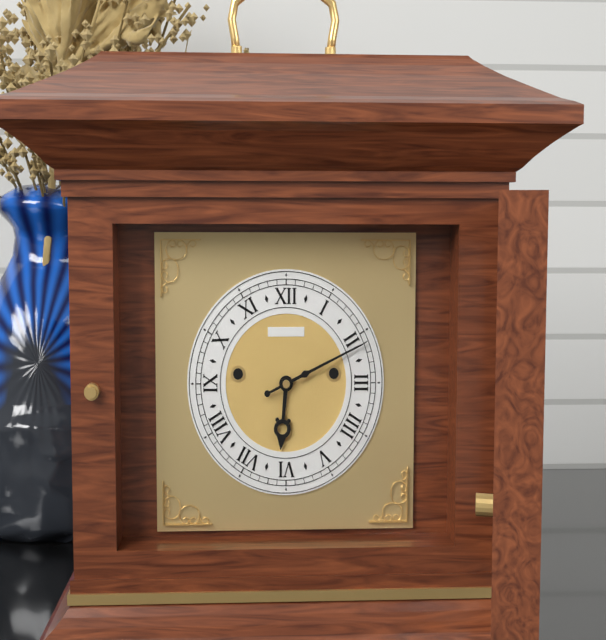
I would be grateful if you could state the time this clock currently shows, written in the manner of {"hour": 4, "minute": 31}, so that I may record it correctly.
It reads {"hour": 6, "minute": 11}
